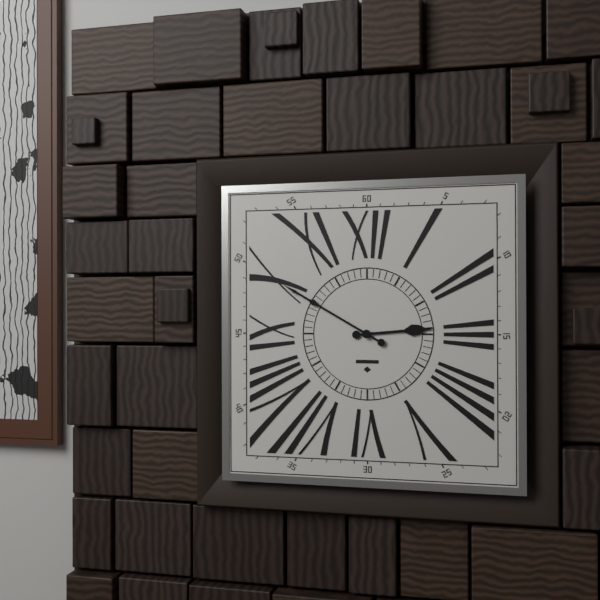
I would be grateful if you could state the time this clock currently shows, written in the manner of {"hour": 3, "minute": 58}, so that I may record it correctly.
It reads {"hour": 2, "minute": 50}
